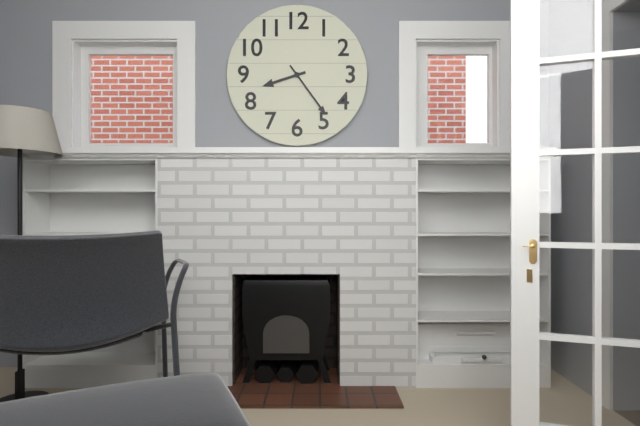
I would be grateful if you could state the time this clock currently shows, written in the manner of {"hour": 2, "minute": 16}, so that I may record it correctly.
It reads {"hour": 8, "minute": 24}
